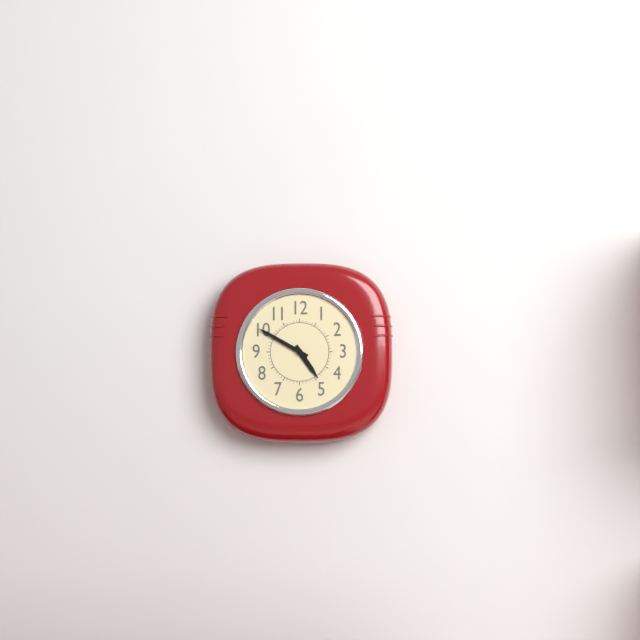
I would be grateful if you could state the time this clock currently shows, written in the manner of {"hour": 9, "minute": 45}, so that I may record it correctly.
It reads {"hour": 4, "minute": 50}
